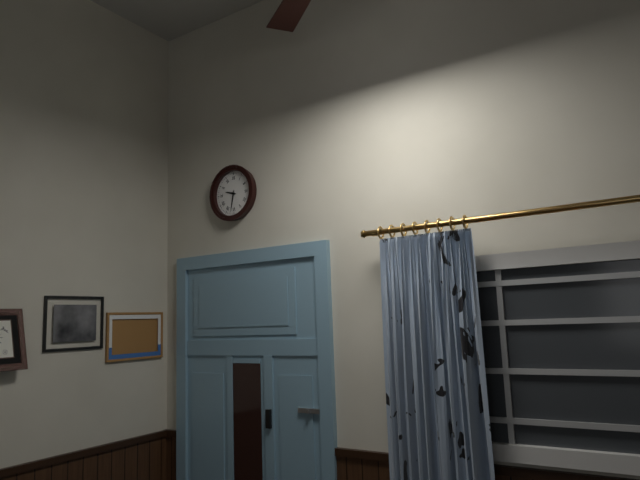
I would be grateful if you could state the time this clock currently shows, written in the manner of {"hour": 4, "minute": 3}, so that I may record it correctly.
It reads {"hour": 9, "minute": 32}
